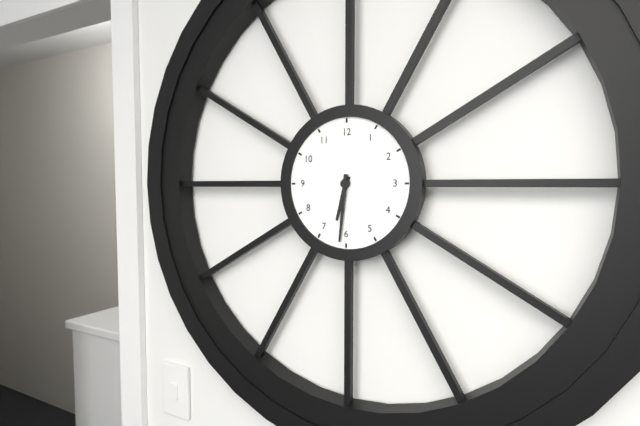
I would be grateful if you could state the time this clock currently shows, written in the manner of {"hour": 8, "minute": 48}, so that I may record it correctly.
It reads {"hour": 6, "minute": 31}
